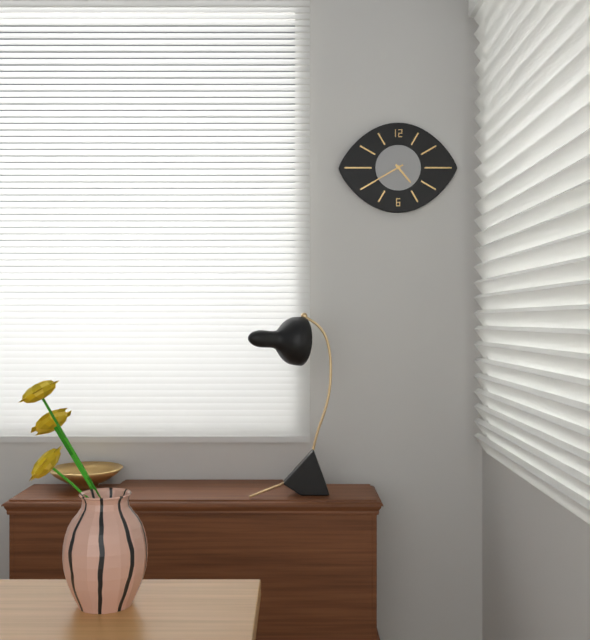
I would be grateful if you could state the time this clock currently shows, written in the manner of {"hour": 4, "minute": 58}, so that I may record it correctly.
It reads {"hour": 4, "minute": 40}
